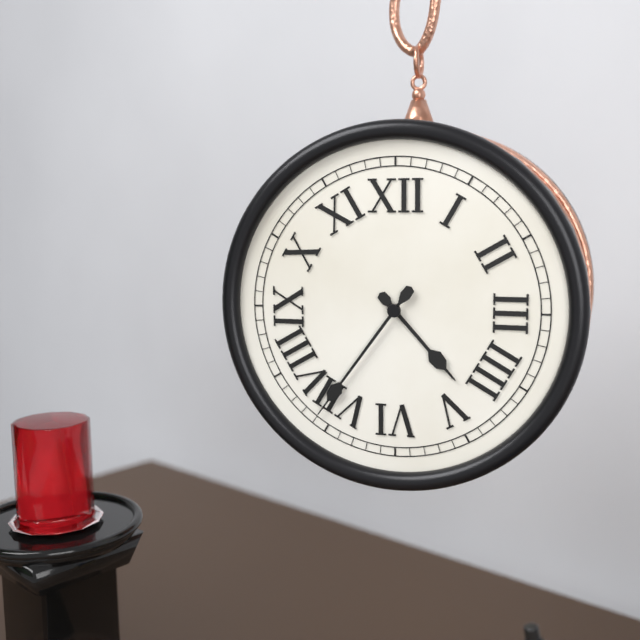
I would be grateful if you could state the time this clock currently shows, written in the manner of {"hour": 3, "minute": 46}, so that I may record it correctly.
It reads {"hour": 4, "minute": 36}
